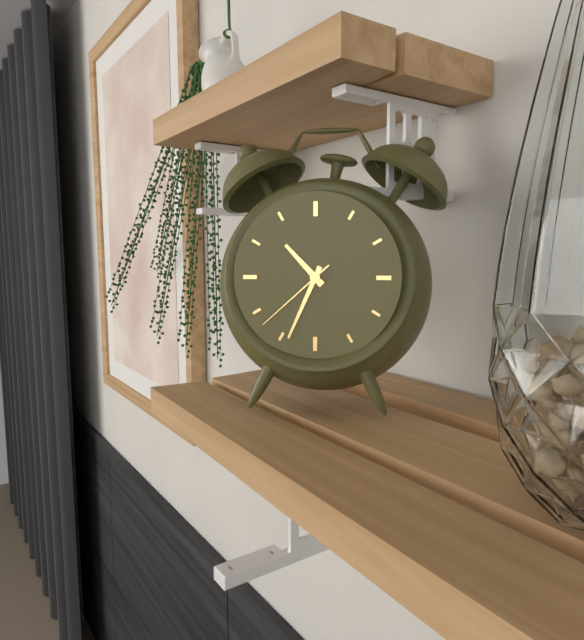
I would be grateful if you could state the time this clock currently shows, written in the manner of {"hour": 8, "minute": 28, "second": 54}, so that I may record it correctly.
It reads {"hour": 10, "minute": 34, "second": 38}
